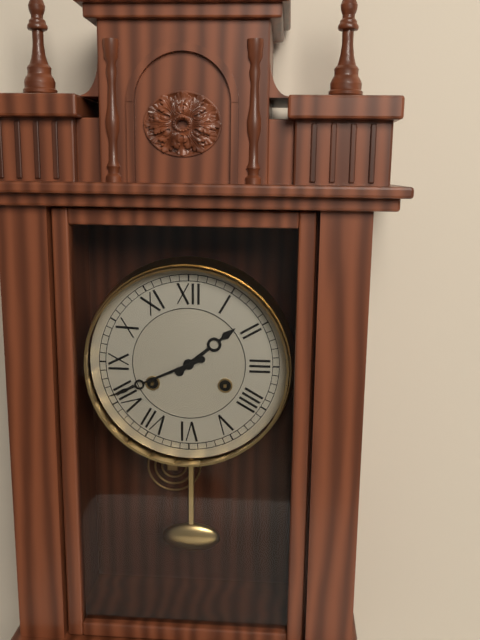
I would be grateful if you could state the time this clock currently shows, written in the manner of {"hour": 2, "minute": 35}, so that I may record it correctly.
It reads {"hour": 1, "minute": 41}
